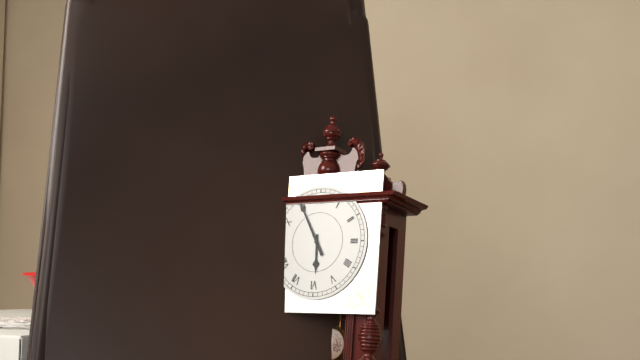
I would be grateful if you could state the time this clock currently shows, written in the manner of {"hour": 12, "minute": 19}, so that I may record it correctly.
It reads {"hour": 5, "minute": 55}
